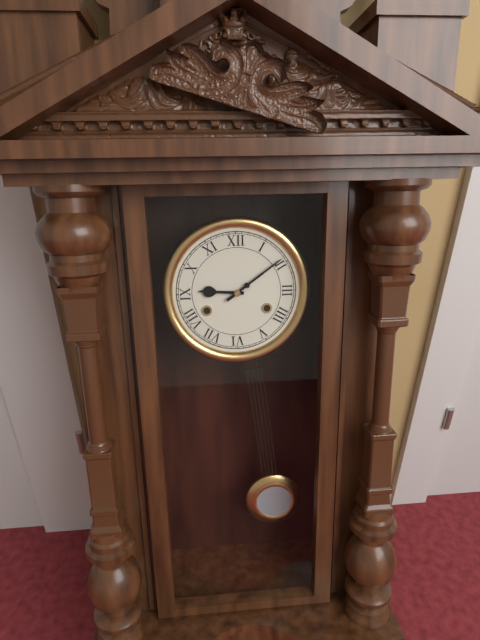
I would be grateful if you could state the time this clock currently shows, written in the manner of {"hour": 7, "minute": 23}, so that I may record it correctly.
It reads {"hour": 9, "minute": 9}
